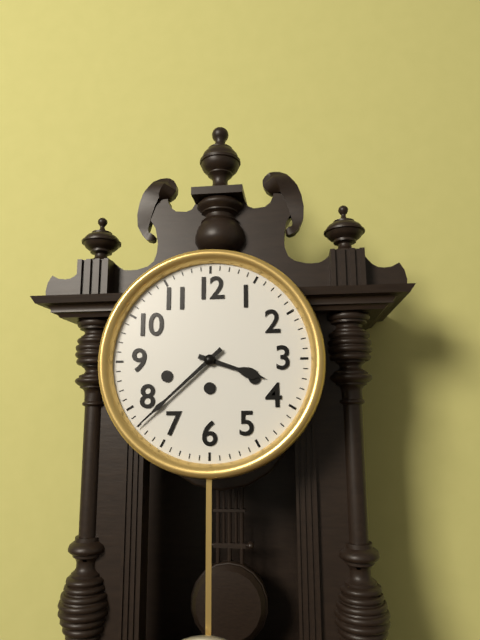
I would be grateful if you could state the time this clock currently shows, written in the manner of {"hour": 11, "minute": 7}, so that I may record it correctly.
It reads {"hour": 3, "minute": 38}
